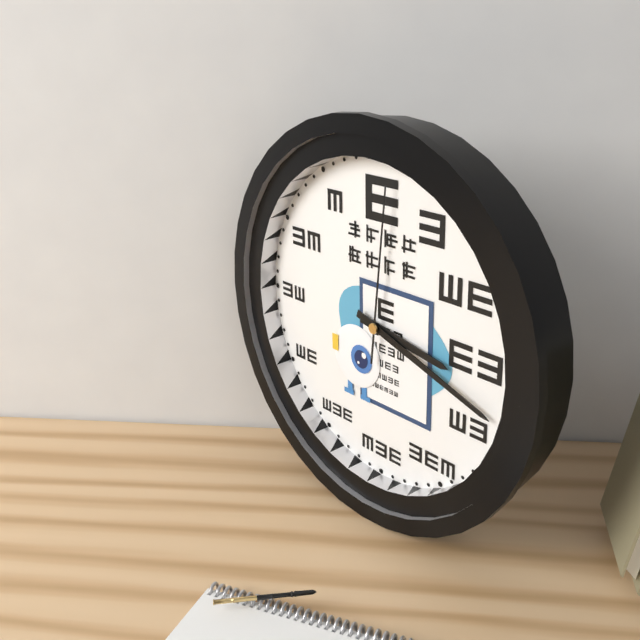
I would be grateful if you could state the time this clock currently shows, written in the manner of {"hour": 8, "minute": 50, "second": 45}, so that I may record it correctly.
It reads {"hour": 3, "minute": 18, "second": 1}
